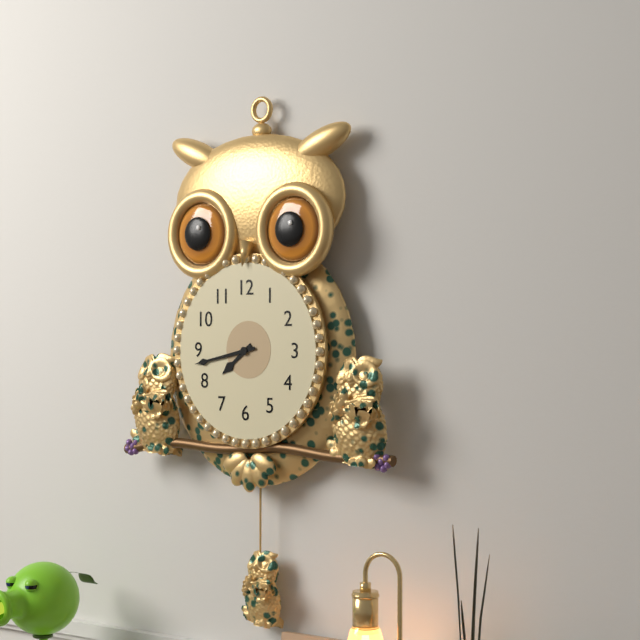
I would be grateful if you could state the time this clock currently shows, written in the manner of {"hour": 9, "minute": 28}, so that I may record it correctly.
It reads {"hour": 7, "minute": 43}
